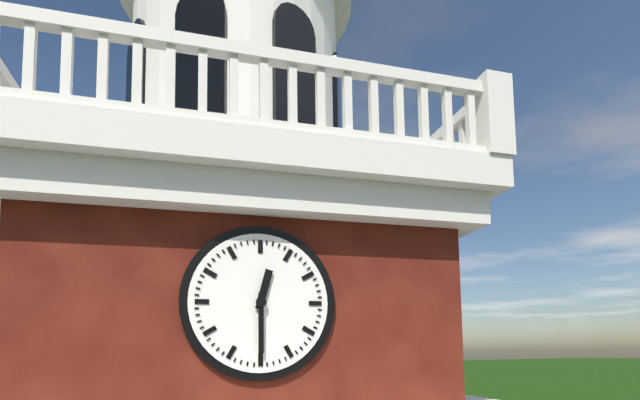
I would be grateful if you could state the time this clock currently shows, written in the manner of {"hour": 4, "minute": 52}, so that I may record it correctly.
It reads {"hour": 12, "minute": 30}
